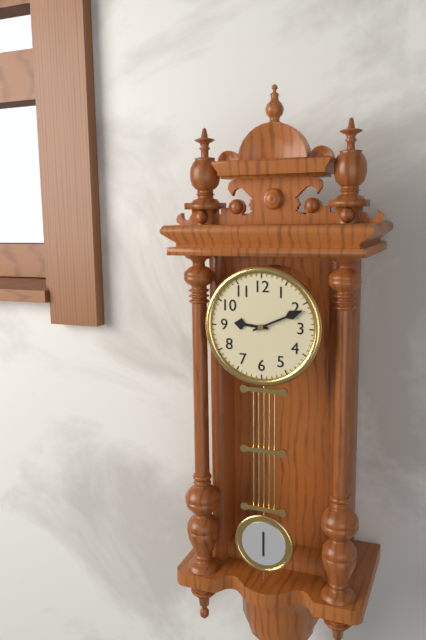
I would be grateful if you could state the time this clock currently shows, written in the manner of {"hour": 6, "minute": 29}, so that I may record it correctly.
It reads {"hour": 9, "minute": 11}
